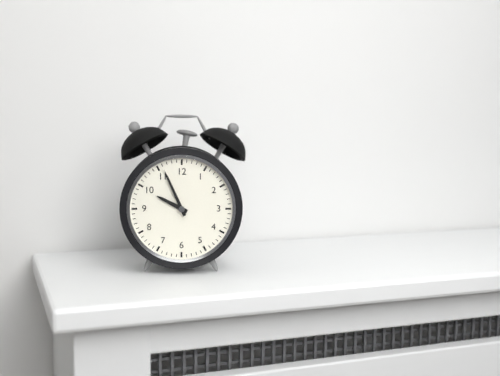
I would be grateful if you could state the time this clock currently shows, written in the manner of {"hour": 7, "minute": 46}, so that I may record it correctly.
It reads {"hour": 9, "minute": 56}
